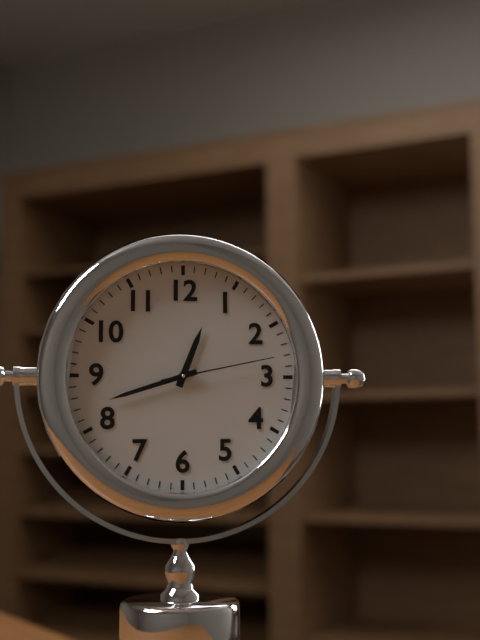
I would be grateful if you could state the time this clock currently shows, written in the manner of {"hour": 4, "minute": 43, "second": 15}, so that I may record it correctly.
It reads {"hour": 12, "minute": 42, "second": 13}
